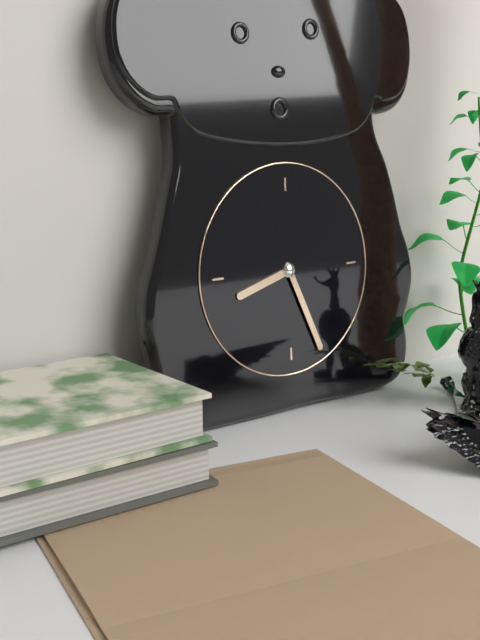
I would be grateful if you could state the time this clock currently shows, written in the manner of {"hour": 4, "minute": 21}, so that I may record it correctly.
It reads {"hour": 8, "minute": 26}
